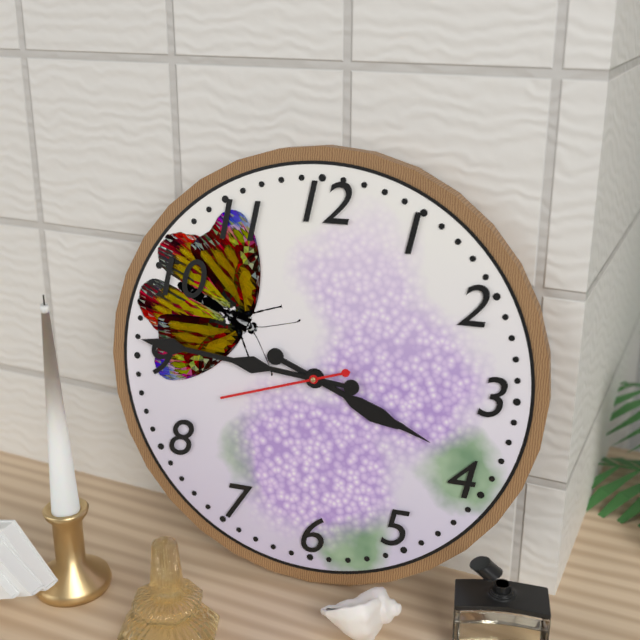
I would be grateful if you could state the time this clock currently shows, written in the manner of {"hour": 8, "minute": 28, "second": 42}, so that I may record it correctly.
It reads {"hour": 3, "minute": 46, "second": 42}
